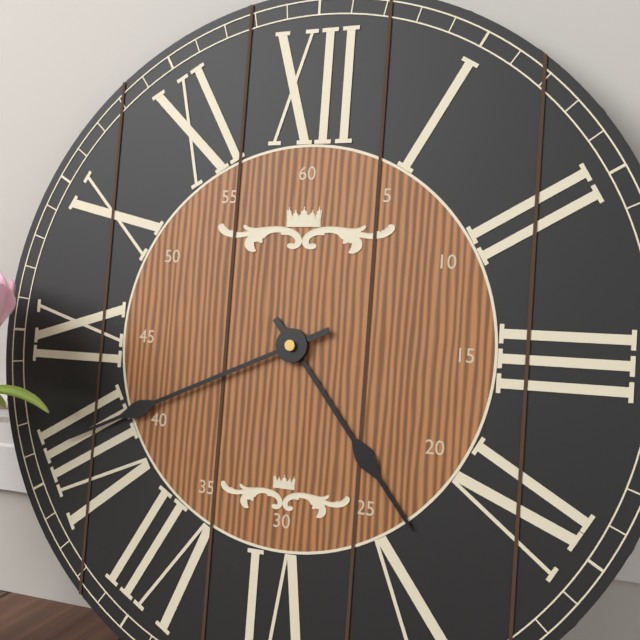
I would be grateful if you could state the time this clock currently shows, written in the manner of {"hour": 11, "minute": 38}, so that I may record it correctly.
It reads {"hour": 4, "minute": 41}
